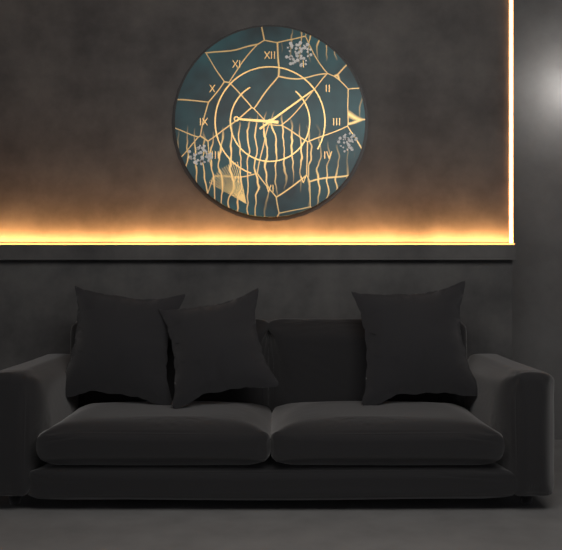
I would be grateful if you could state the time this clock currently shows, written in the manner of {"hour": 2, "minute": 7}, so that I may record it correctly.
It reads {"hour": 9, "minute": 9}
